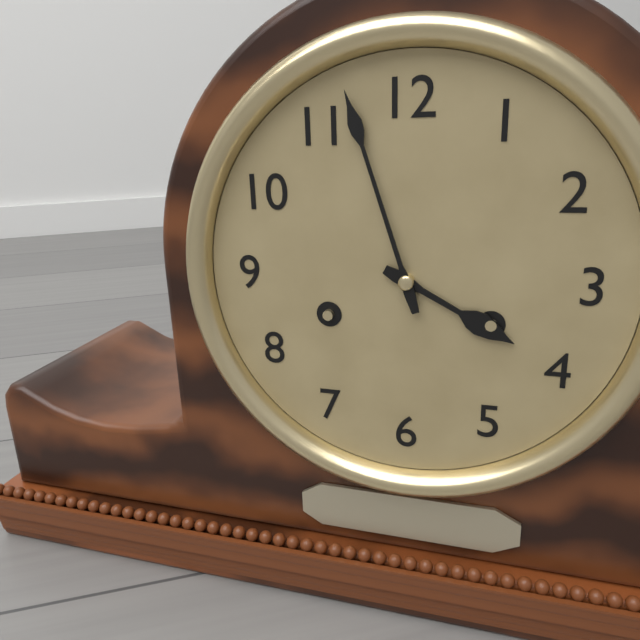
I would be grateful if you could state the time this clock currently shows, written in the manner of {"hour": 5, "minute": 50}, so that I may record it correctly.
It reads {"hour": 3, "minute": 57}
